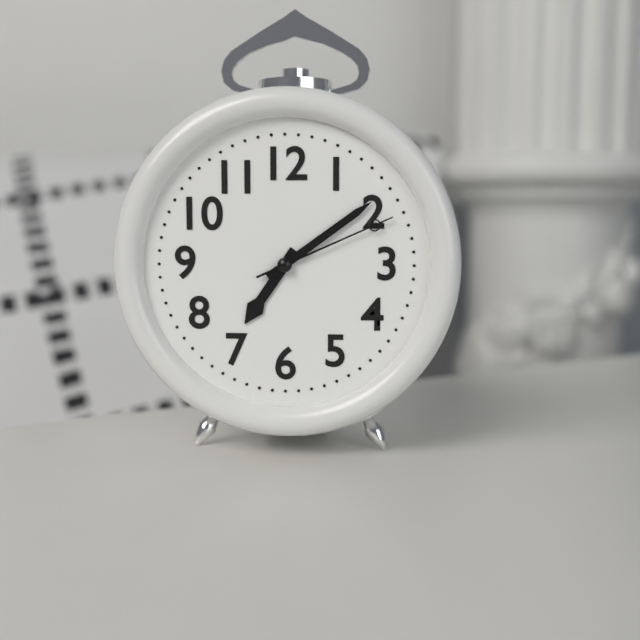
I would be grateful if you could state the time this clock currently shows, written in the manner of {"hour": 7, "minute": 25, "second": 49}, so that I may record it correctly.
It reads {"hour": 7, "minute": 9, "second": 11}
